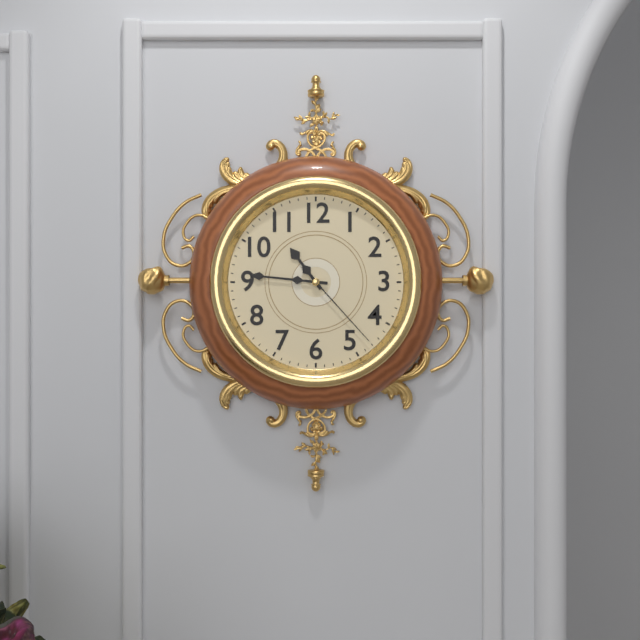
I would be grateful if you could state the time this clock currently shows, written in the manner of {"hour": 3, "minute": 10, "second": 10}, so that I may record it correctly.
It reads {"hour": 10, "minute": 46, "second": 23}
